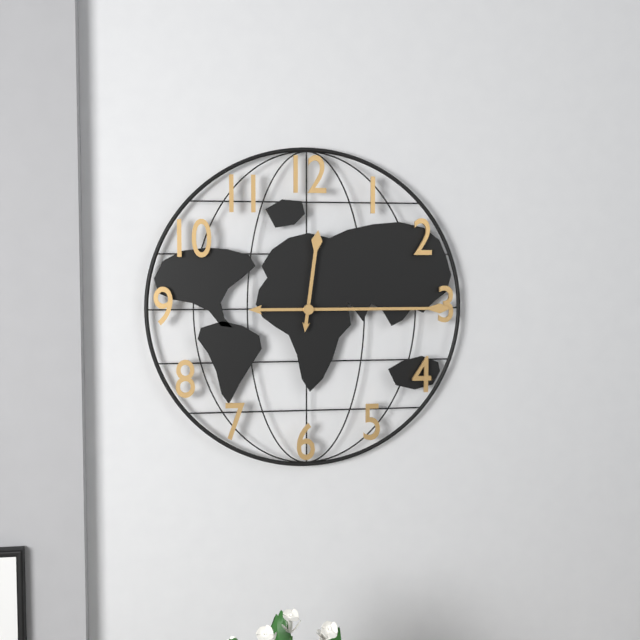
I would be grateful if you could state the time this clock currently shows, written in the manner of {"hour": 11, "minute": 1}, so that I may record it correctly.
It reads {"hour": 12, "minute": 15}
